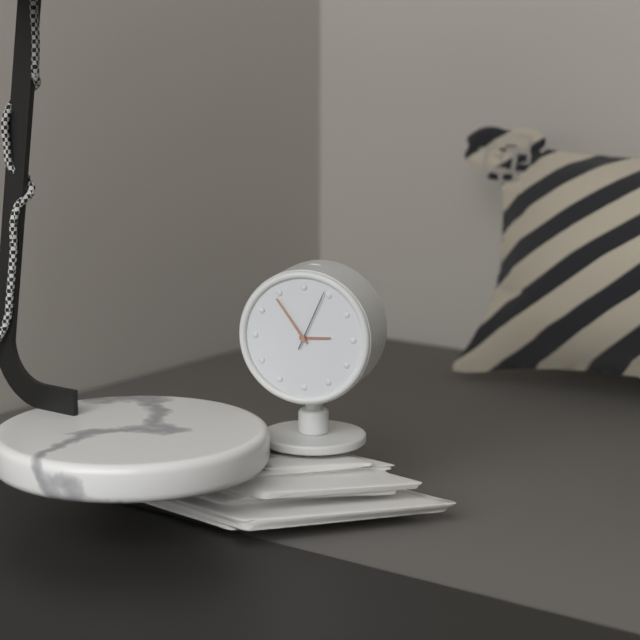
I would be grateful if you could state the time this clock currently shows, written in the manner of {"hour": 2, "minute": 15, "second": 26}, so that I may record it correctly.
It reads {"hour": 2, "minute": 54, "second": 4}
